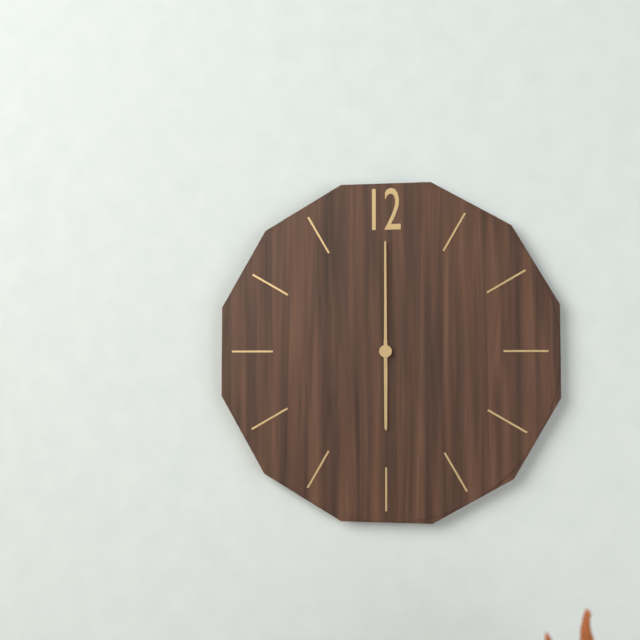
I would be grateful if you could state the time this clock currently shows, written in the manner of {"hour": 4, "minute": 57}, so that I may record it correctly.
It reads {"hour": 6, "minute": 0}
